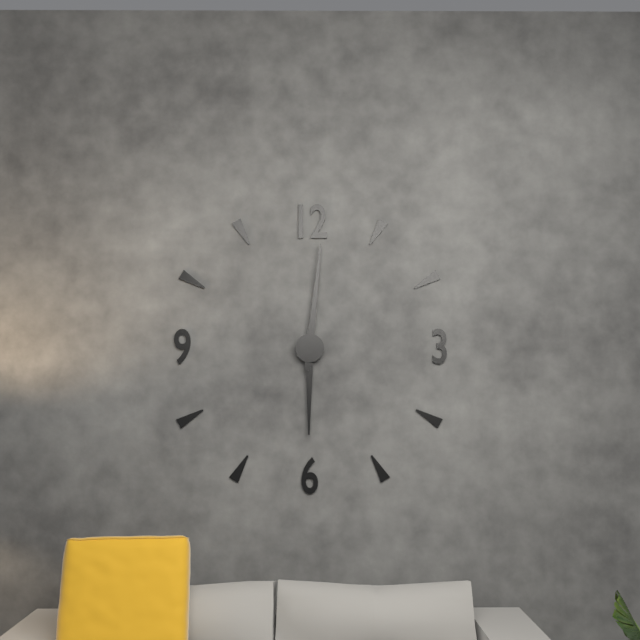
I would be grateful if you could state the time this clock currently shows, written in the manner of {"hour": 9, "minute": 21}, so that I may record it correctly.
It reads {"hour": 6, "minute": 1}
